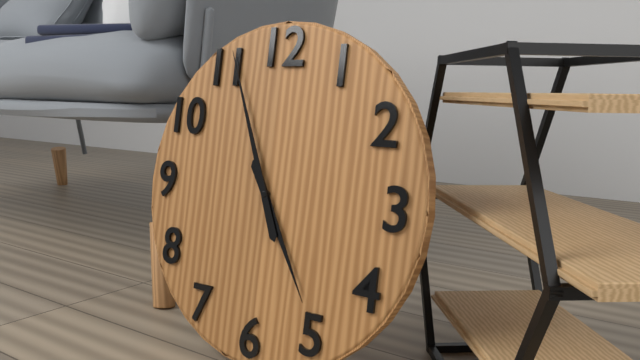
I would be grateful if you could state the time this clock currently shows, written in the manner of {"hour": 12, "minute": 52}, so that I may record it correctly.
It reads {"hour": 4, "minute": 56}
